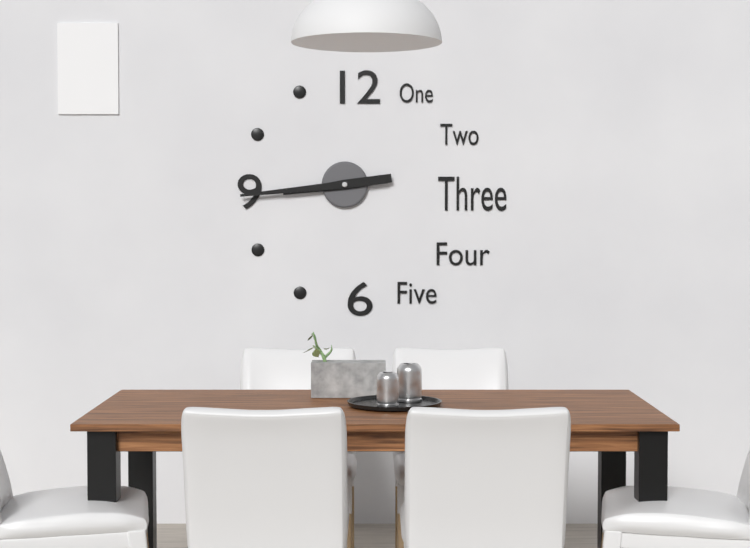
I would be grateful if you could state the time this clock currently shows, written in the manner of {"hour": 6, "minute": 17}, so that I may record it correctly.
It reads {"hour": 8, "minute": 44}
